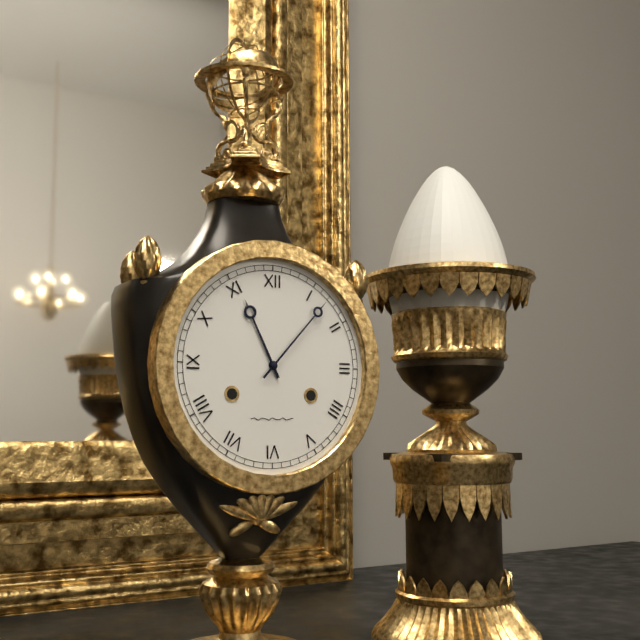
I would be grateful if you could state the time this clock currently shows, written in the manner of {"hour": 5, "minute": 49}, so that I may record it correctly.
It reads {"hour": 11, "minute": 7}
